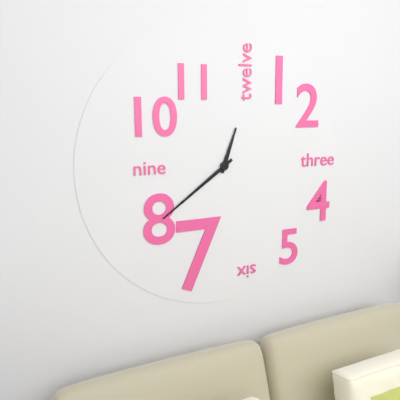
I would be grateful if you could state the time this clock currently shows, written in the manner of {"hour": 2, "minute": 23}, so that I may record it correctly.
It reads {"hour": 12, "minute": 39}
